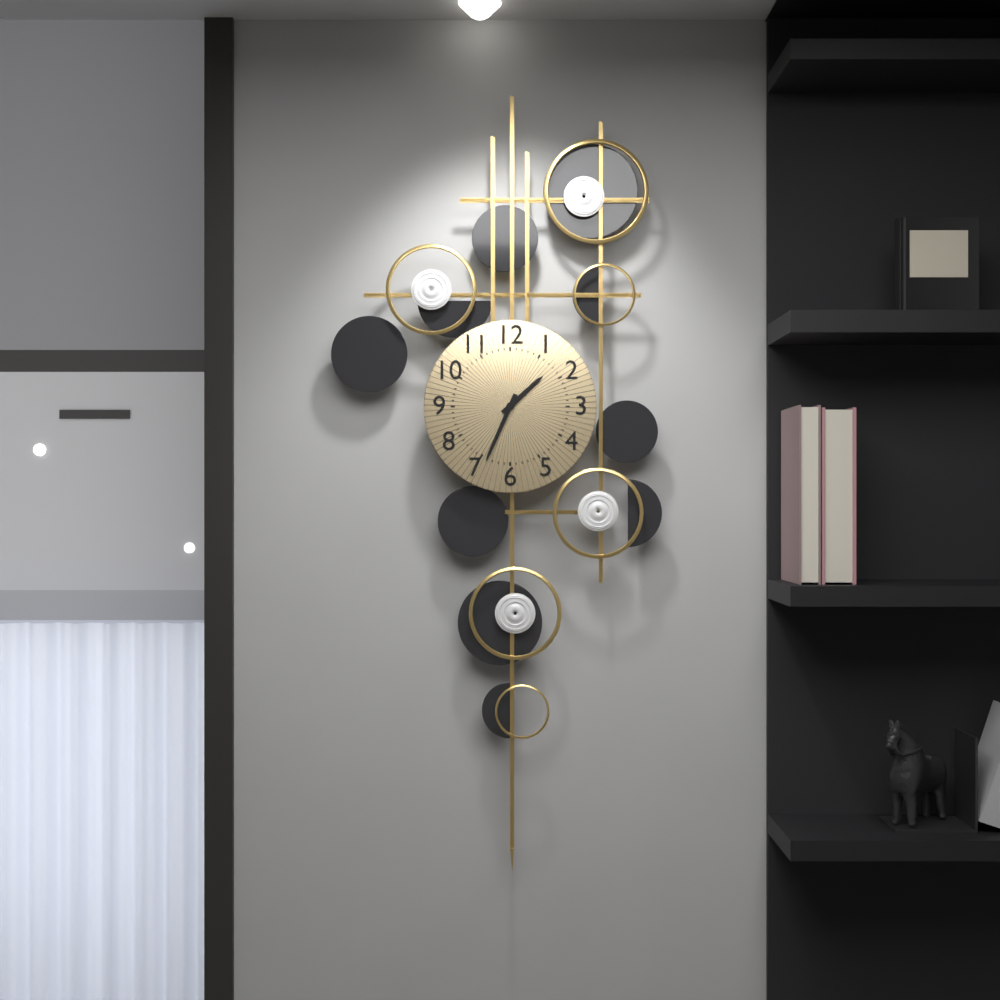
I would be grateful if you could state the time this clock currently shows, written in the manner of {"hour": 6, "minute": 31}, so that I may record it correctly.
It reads {"hour": 1, "minute": 34}
